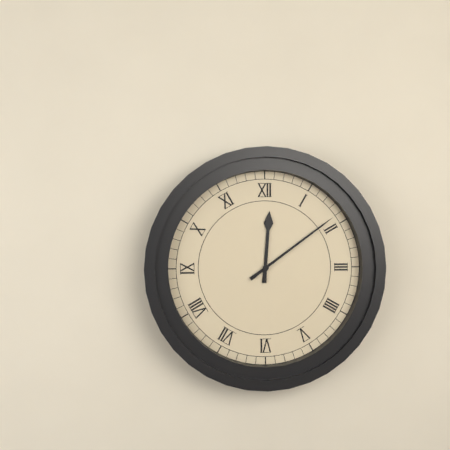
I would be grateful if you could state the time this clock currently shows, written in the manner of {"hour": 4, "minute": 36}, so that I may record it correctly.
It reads {"hour": 12, "minute": 9}
